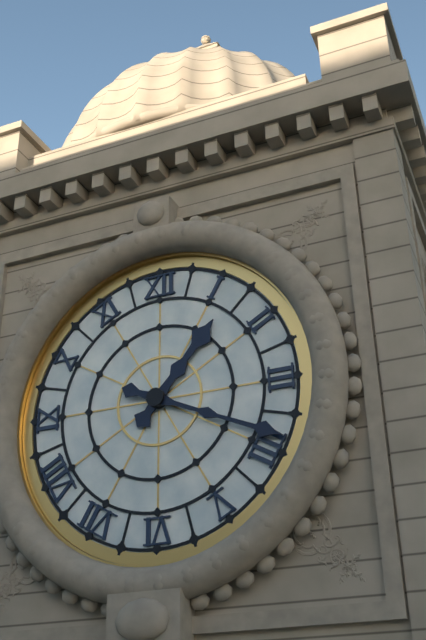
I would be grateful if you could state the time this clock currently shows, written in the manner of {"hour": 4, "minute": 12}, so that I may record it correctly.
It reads {"hour": 1, "minute": 19}
